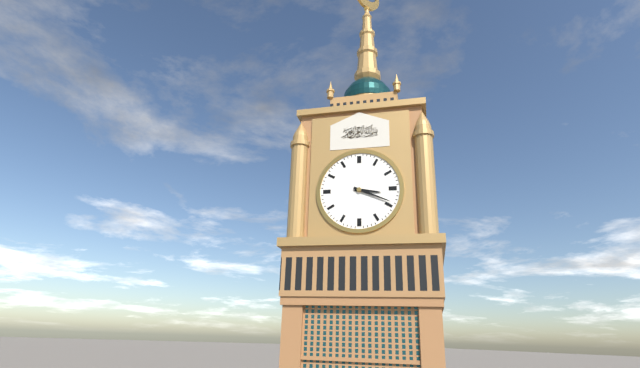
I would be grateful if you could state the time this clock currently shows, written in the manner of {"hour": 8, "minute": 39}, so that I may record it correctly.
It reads {"hour": 3, "minute": 19}
